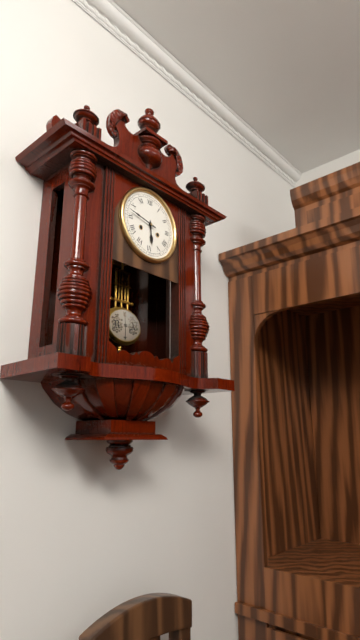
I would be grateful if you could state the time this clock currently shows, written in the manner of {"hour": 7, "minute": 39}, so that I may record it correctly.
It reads {"hour": 5, "minute": 47}
